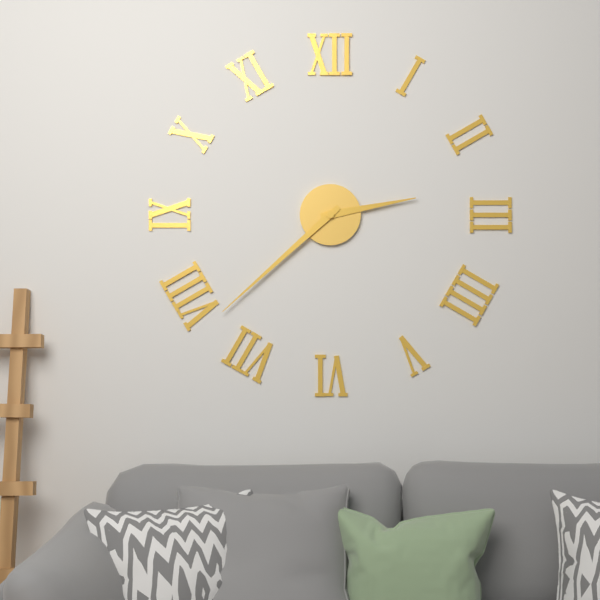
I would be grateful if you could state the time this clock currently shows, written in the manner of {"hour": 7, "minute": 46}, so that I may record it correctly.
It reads {"hour": 2, "minute": 38}
